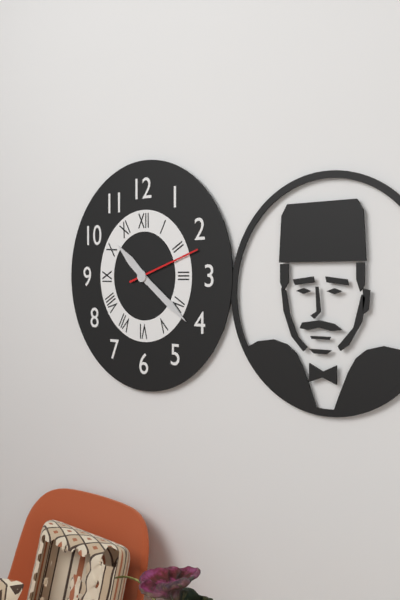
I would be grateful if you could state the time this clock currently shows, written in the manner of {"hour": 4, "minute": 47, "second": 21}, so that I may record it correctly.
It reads {"hour": 10, "minute": 21, "second": 12}
